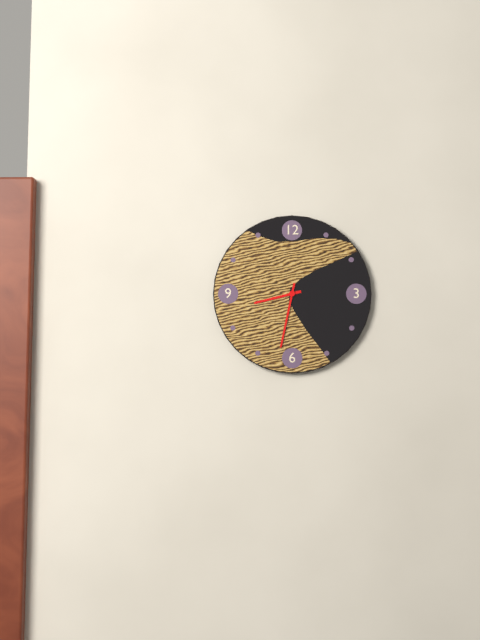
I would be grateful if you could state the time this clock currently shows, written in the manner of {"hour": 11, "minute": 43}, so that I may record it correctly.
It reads {"hour": 8, "minute": 32}
